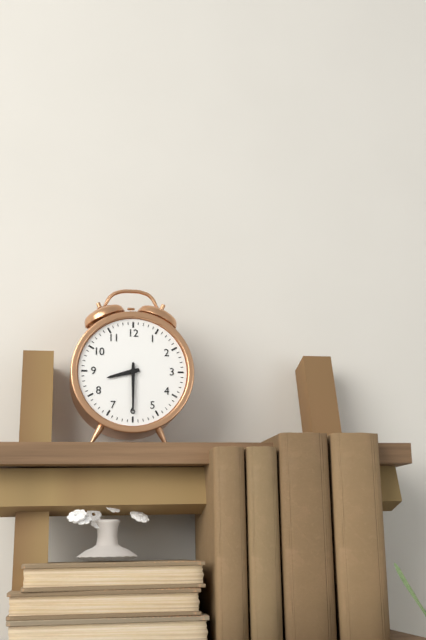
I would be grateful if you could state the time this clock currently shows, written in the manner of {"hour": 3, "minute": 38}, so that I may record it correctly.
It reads {"hour": 8, "minute": 30}
